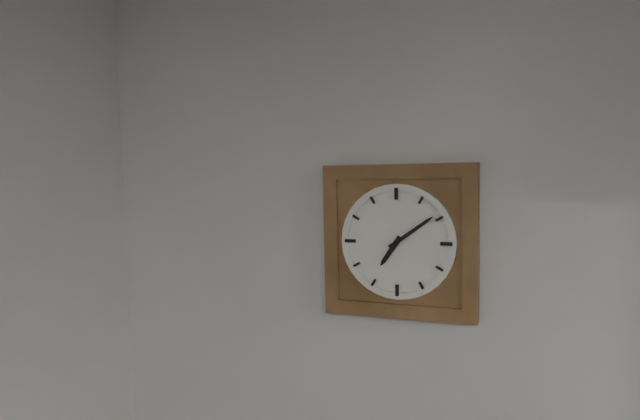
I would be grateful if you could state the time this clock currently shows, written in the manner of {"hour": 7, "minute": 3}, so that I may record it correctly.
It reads {"hour": 7, "minute": 9}
